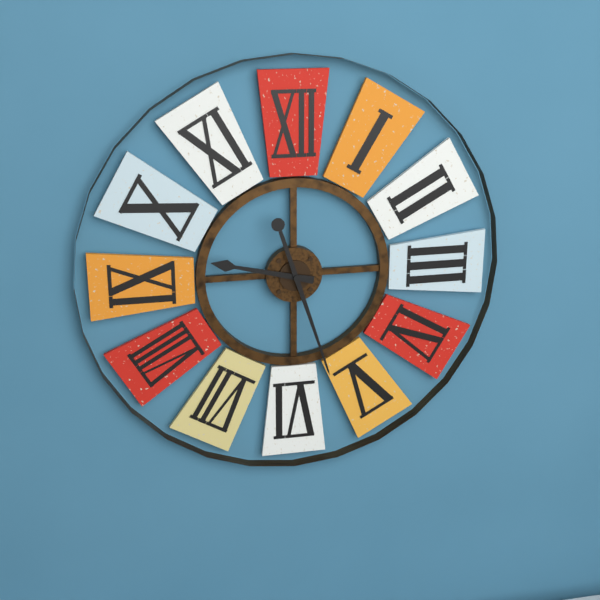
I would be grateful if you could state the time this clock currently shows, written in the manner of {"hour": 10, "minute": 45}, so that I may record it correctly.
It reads {"hour": 9, "minute": 27}
